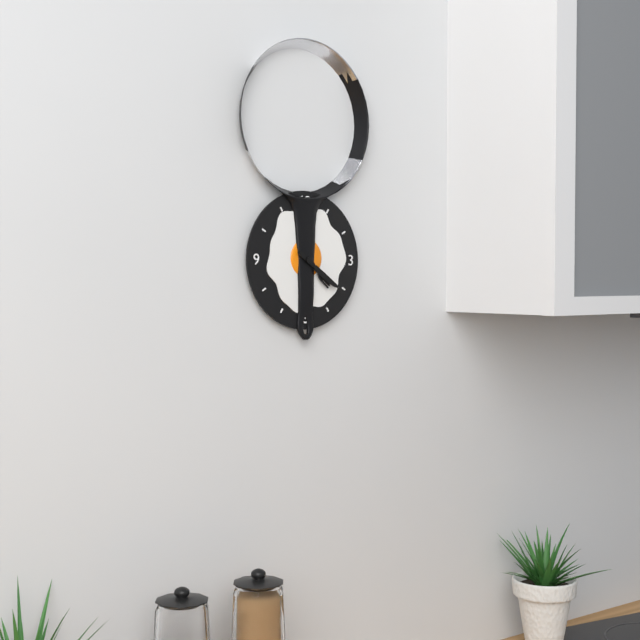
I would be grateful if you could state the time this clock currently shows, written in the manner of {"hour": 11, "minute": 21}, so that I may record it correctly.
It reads {"hour": 4, "minute": 21}
